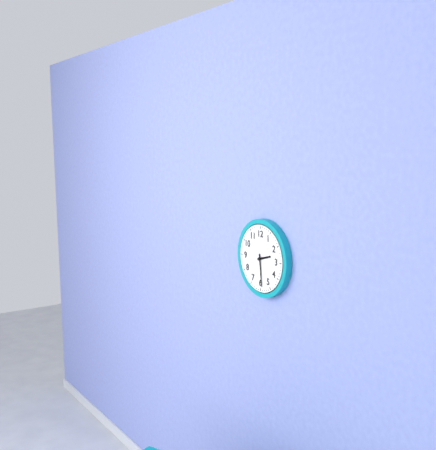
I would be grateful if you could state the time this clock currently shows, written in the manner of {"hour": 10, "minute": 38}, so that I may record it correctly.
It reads {"hour": 2, "minute": 29}
